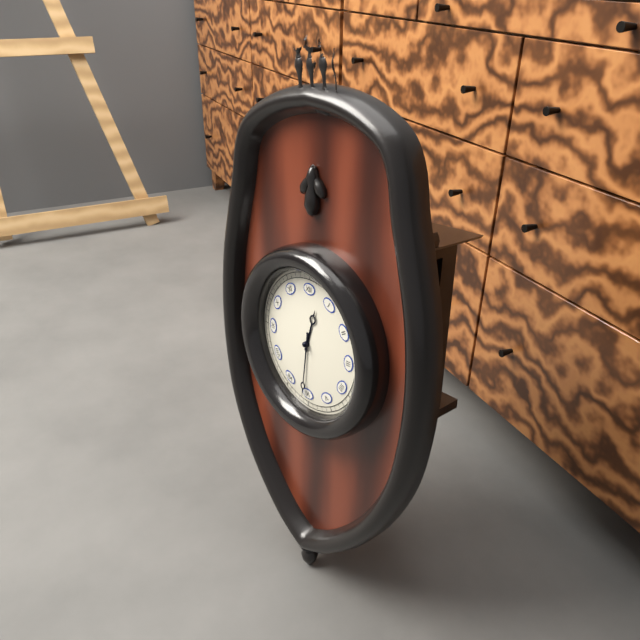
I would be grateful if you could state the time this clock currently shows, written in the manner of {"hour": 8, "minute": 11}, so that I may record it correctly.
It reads {"hour": 12, "minute": 31}
